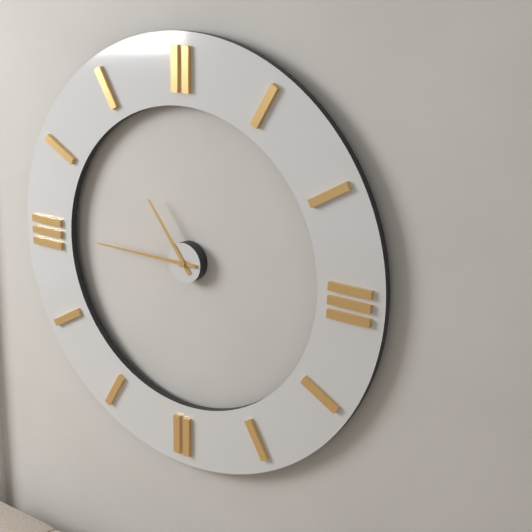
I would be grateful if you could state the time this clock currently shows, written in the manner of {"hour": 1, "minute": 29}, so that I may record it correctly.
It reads {"hour": 10, "minute": 45}
